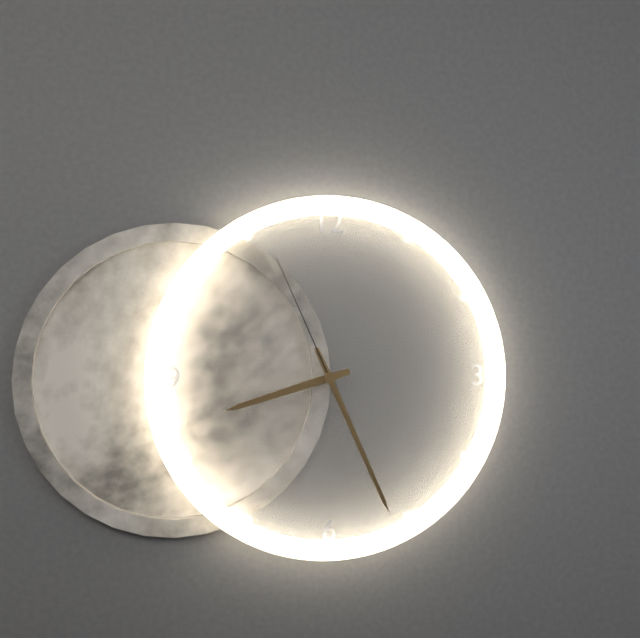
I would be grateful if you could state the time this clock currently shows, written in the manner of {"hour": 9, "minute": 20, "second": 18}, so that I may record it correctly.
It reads {"hour": 8, "minute": 26, "second": 56}
